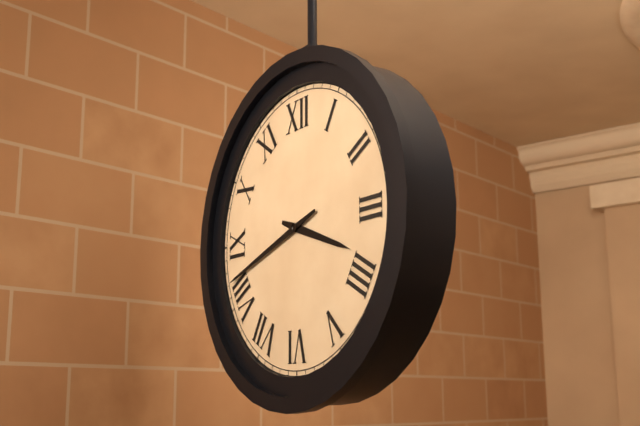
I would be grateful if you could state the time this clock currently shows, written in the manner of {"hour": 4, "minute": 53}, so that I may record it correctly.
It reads {"hour": 3, "minute": 42}
